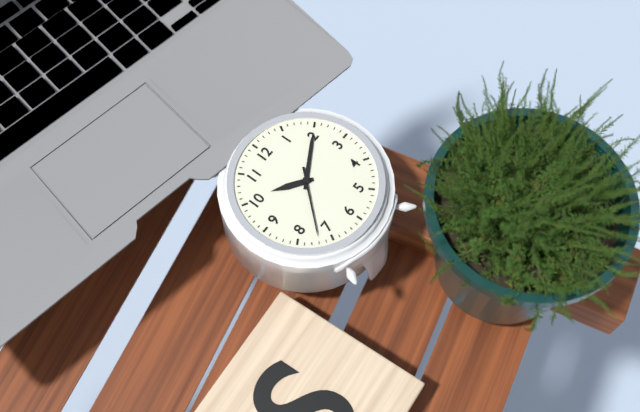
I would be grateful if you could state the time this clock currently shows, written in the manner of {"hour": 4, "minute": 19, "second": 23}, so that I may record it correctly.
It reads {"hour": 10, "minute": 10, "second": 37}
